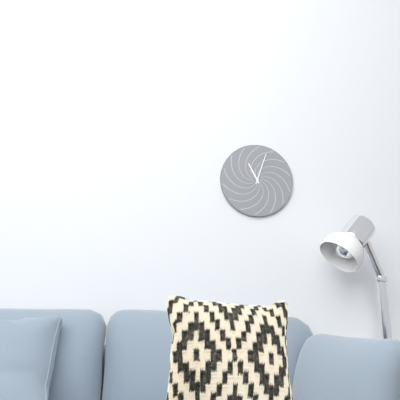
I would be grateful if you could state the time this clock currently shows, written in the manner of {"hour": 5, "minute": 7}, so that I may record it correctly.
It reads {"hour": 11, "minute": 3}
